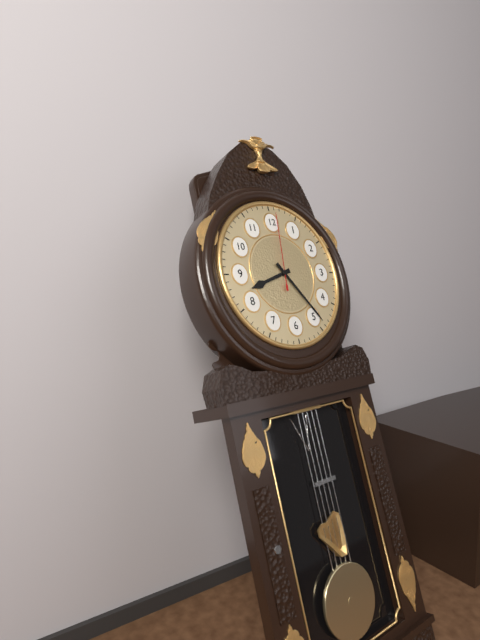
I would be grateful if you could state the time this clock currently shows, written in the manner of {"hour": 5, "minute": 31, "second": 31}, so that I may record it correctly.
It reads {"hour": 8, "minute": 24, "second": 1}
